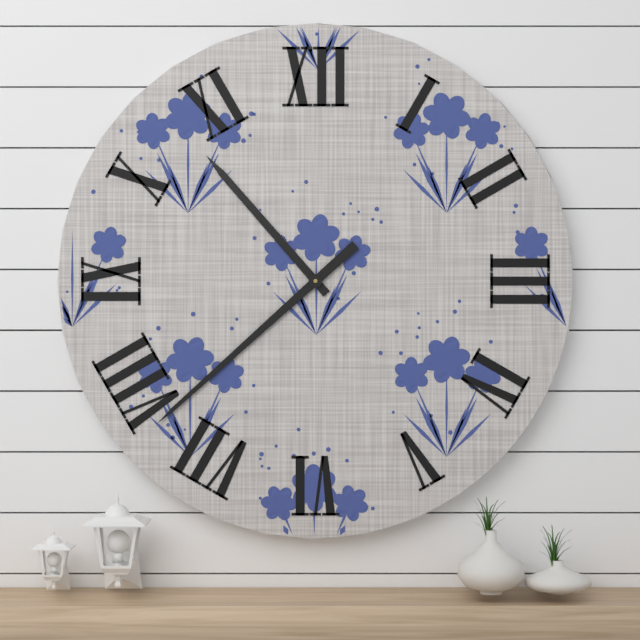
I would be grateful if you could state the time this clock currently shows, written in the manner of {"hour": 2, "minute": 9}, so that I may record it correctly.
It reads {"hour": 10, "minute": 38}
